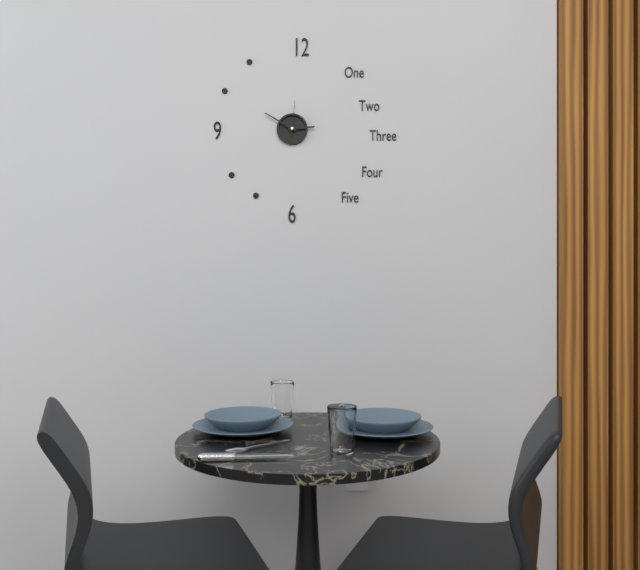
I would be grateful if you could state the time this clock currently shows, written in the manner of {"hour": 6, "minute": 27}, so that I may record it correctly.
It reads {"hour": 2, "minute": 50}
